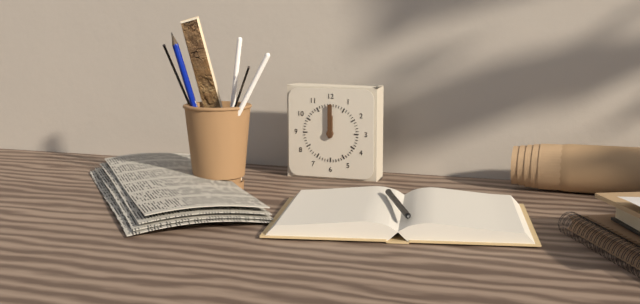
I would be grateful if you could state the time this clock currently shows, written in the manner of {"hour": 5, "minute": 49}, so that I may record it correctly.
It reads {"hour": 12, "minute": 0}
